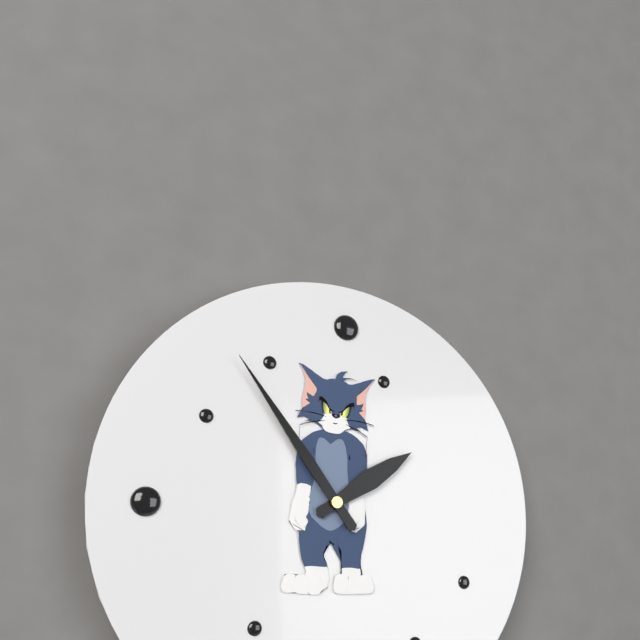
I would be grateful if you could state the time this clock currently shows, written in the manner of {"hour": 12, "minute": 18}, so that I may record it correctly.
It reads {"hour": 1, "minute": 54}
